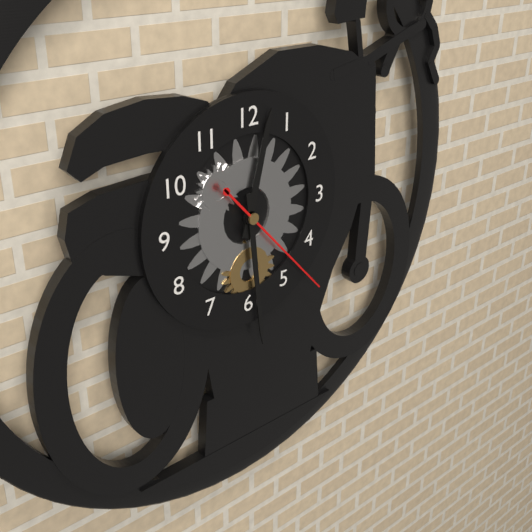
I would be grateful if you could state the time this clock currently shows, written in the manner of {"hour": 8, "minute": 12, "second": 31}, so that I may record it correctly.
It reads {"hour": 12, "minute": 29, "second": 23}
